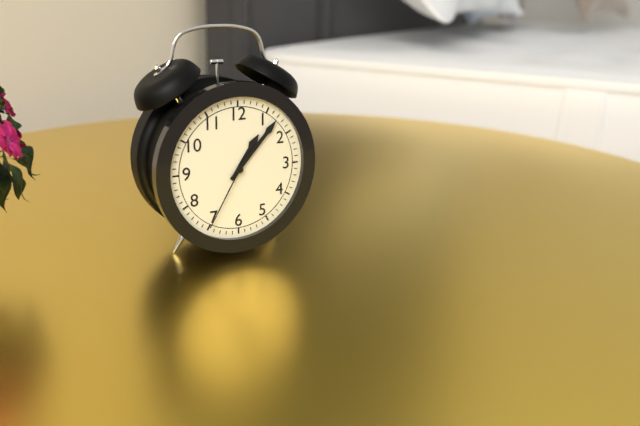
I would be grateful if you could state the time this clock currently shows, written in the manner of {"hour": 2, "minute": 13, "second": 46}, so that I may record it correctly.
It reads {"hour": 1, "minute": 7, "second": 35}
